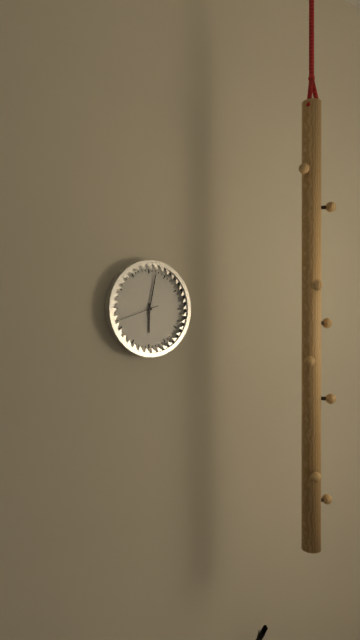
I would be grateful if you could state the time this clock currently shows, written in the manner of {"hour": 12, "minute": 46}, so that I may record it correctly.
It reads {"hour": 6, "minute": 2}
